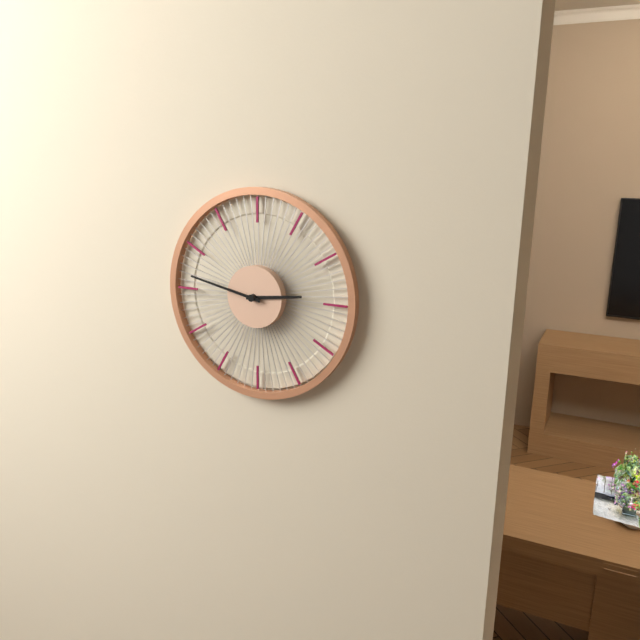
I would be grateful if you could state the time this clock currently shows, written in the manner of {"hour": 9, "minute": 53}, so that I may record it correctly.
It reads {"hour": 2, "minute": 47}
